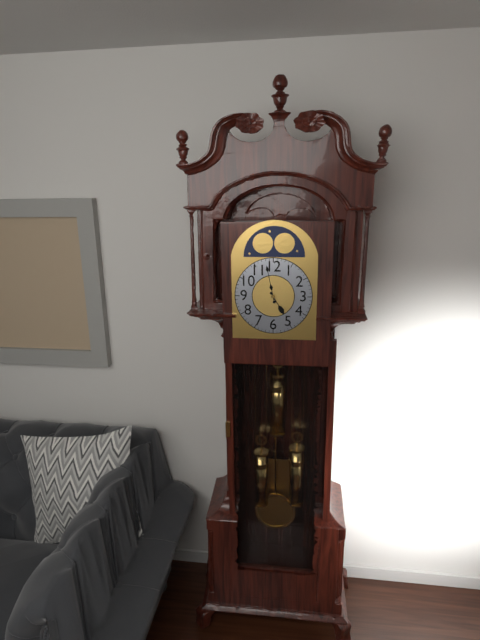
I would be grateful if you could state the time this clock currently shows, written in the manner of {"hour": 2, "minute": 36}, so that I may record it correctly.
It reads {"hour": 4, "minute": 58}
